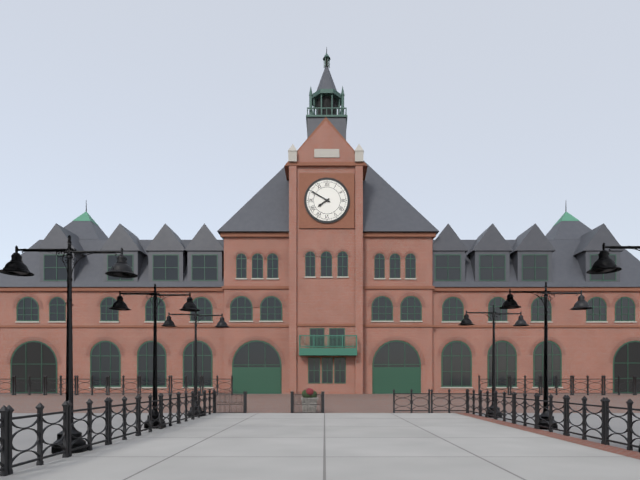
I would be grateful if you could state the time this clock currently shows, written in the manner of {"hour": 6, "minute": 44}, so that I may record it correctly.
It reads {"hour": 7, "minute": 50}
